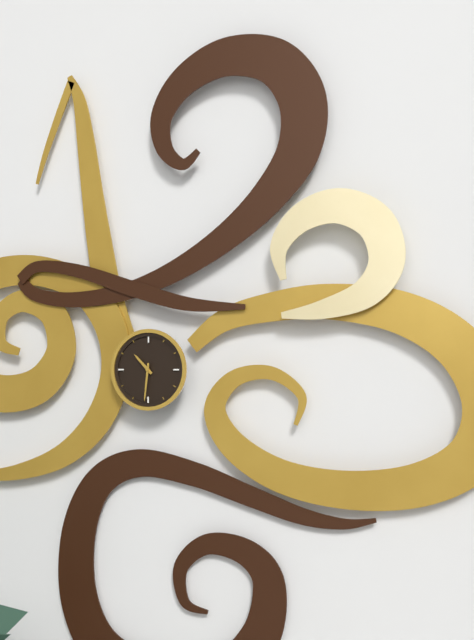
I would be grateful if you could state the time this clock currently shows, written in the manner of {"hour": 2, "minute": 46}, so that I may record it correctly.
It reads {"hour": 10, "minute": 31}
